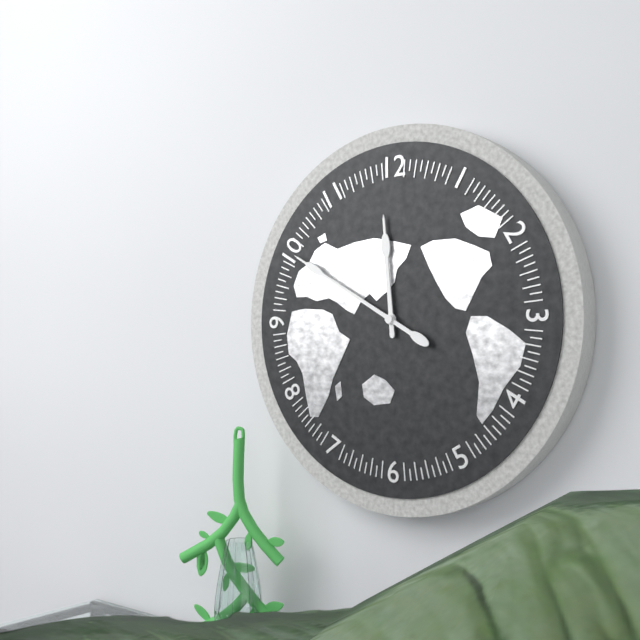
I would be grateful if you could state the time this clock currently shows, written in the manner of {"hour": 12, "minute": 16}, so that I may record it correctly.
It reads {"hour": 11, "minute": 50}
